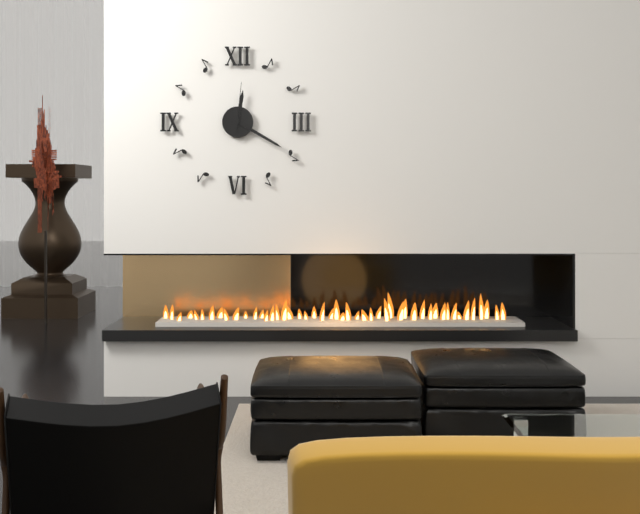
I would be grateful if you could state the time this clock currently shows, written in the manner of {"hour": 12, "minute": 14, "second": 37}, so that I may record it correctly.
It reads {"hour": 12, "minute": 20, "second": 1}
